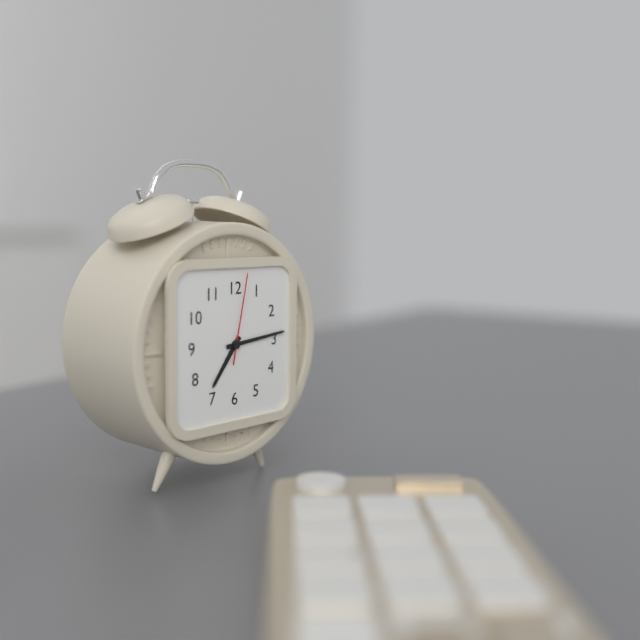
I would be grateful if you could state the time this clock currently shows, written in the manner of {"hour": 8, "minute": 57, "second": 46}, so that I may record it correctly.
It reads {"hour": 7, "minute": 14, "second": 2}
